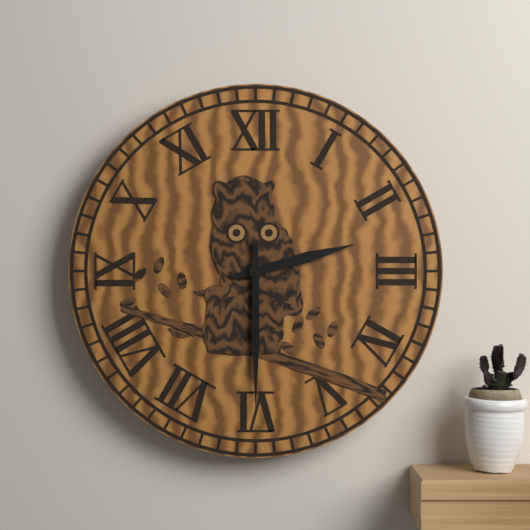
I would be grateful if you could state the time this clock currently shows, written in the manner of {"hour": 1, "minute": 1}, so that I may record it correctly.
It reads {"hour": 2, "minute": 30}
